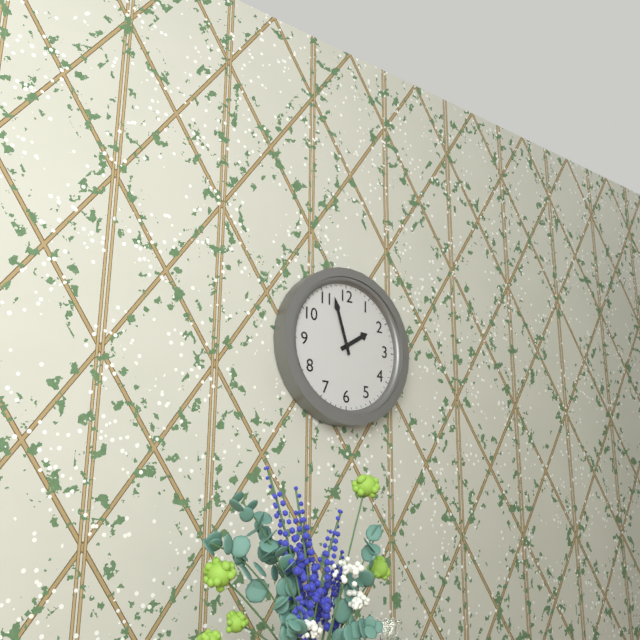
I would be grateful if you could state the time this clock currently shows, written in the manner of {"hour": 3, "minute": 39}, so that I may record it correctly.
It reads {"hour": 1, "minute": 57}
